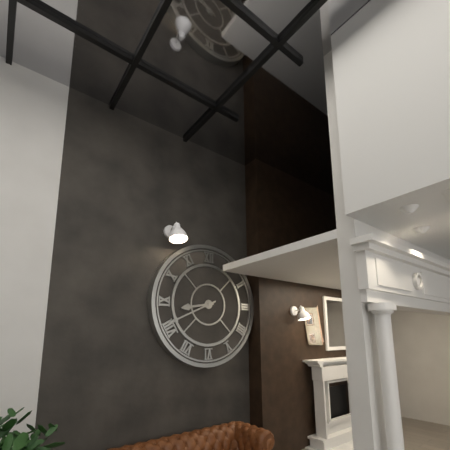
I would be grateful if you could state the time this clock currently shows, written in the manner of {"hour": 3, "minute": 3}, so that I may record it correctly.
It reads {"hour": 8, "minute": 41}
